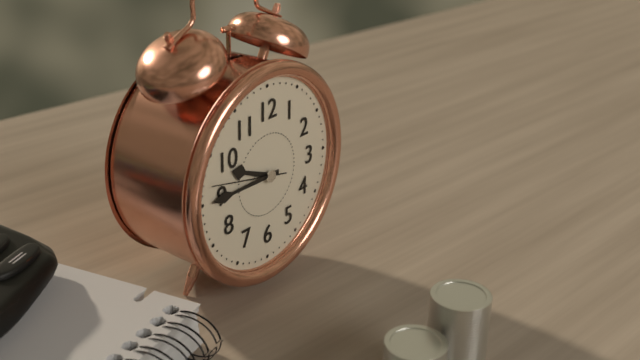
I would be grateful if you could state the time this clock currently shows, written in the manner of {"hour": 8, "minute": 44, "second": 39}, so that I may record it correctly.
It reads {"hour": 9, "minute": 45, "second": 47}
